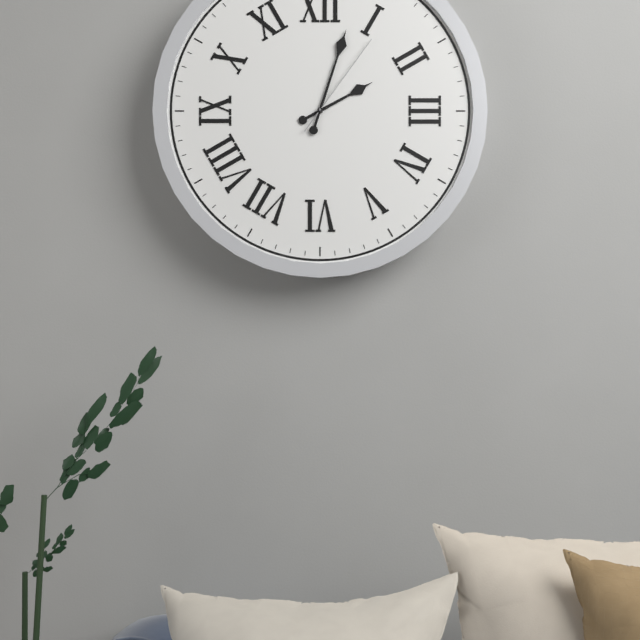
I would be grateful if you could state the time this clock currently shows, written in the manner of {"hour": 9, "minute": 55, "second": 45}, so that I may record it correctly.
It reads {"hour": 2, "minute": 3, "second": 6}
